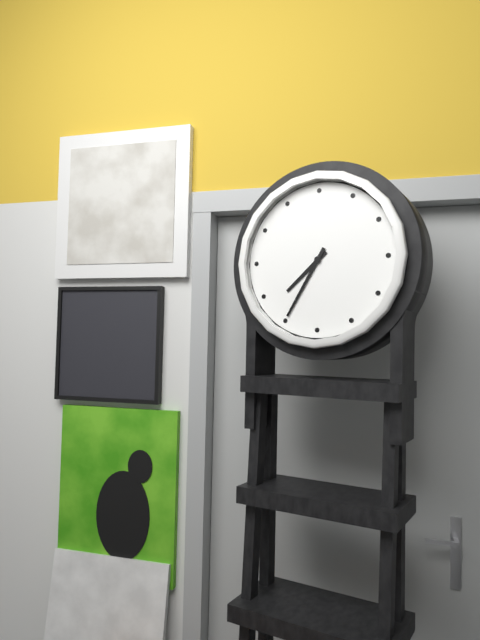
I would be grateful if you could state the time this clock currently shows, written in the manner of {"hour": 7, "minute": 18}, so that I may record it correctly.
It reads {"hour": 7, "minute": 35}
